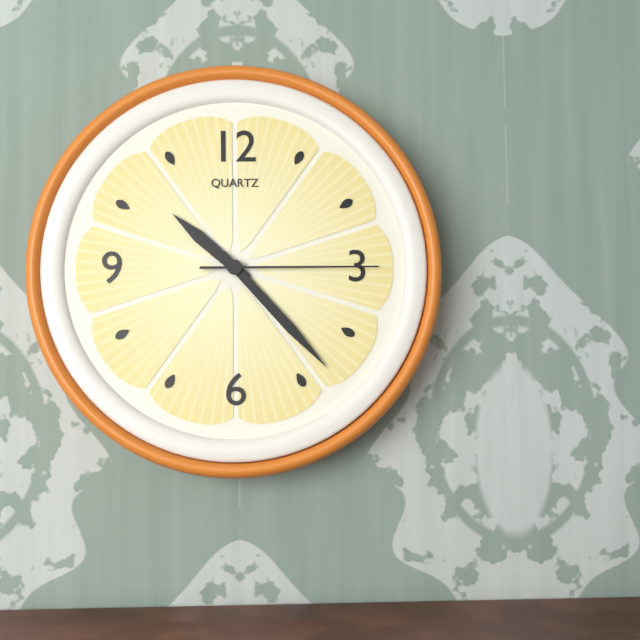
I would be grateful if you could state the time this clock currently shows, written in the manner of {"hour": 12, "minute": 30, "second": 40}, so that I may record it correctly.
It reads {"hour": 10, "minute": 23, "second": 15}
